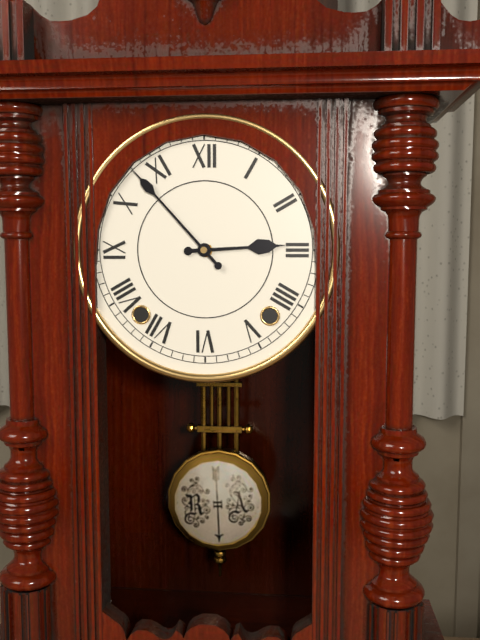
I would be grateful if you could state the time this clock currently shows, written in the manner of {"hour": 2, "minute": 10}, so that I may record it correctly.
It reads {"hour": 2, "minute": 53}
